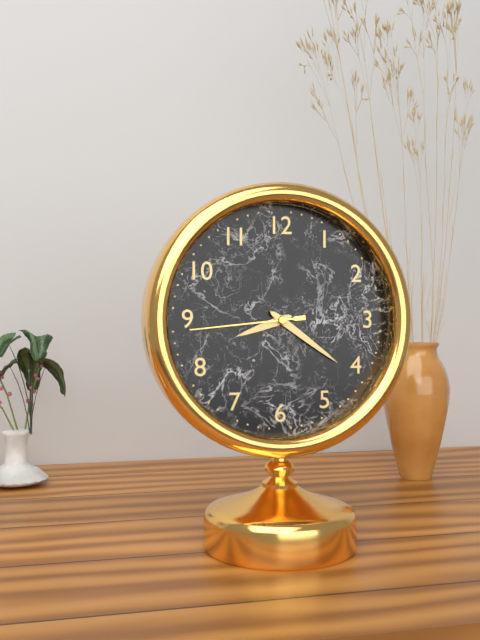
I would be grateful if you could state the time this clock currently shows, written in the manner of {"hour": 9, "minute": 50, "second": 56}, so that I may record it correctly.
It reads {"hour": 8, "minute": 21, "second": 44}
